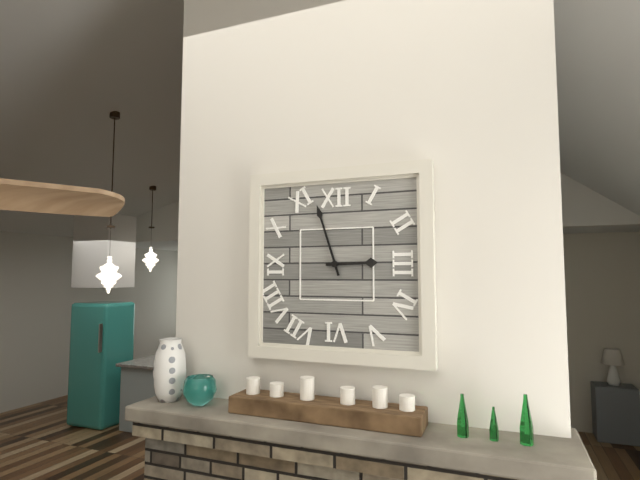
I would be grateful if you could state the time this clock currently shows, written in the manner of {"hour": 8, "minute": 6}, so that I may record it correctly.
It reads {"hour": 2, "minute": 57}
